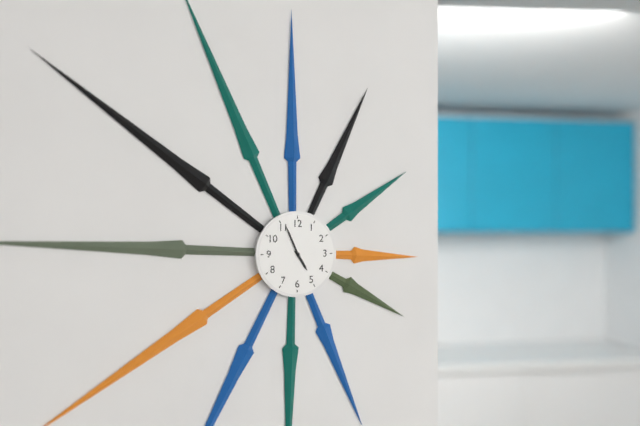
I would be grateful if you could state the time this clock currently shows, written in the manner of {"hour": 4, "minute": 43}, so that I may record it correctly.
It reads {"hour": 4, "minute": 56}
